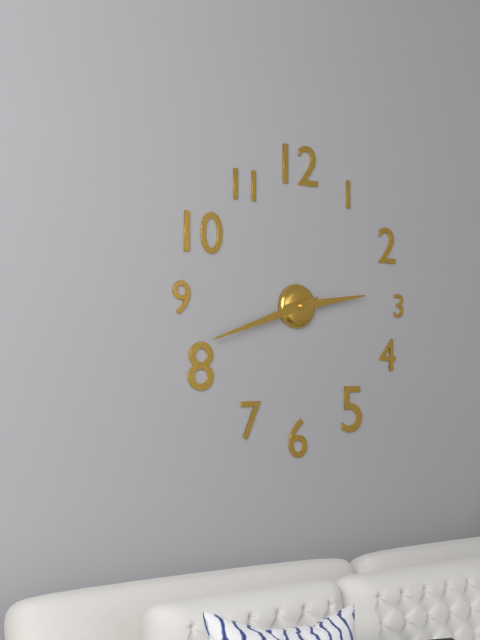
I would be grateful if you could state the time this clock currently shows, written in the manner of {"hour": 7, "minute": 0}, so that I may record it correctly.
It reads {"hour": 2, "minute": 42}
